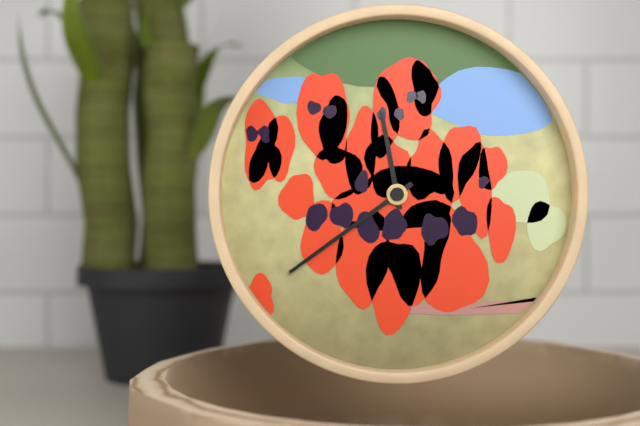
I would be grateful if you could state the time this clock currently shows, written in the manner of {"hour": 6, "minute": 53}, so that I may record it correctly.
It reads {"hour": 11, "minute": 39}
